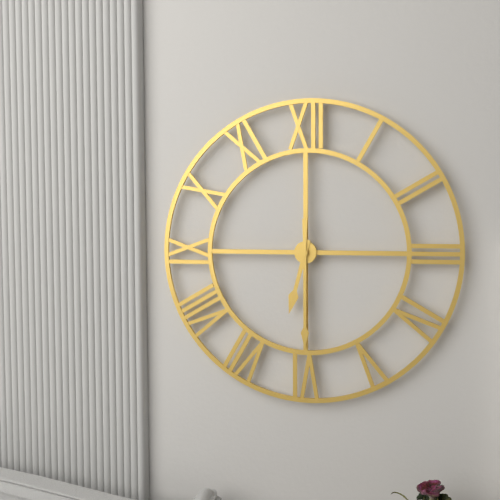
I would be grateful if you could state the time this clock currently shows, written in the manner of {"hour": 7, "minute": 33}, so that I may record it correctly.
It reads {"hour": 6, "minute": 30}
